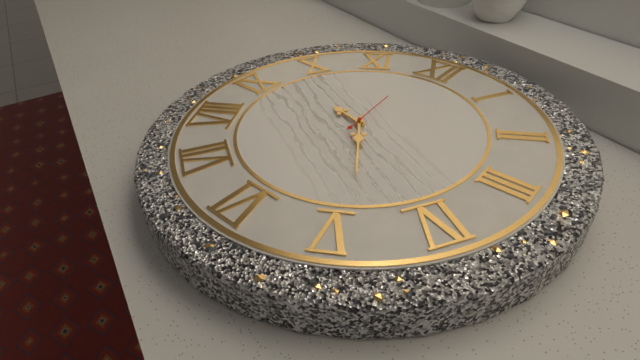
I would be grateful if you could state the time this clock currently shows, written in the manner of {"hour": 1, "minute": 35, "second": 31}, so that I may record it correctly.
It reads {"hour": 9, "minute": 24, "second": 59}
